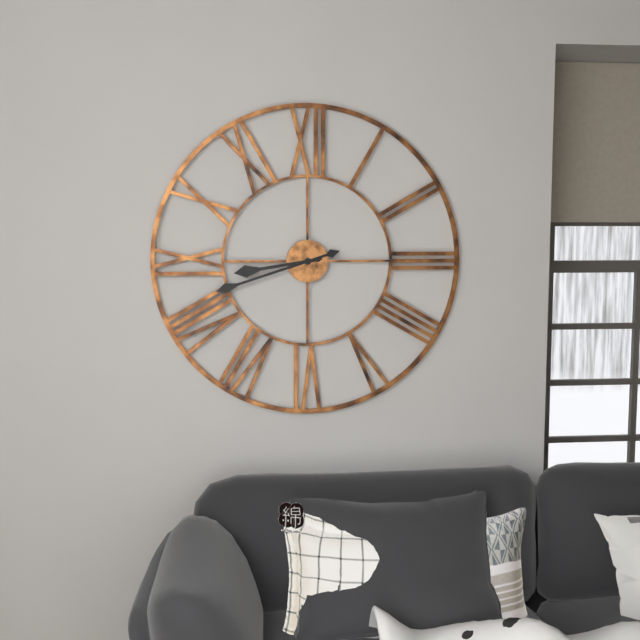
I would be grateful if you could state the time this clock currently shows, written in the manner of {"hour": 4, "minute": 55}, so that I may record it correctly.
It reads {"hour": 8, "minute": 42}
